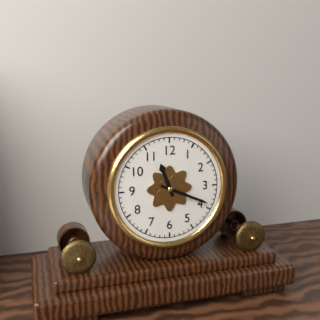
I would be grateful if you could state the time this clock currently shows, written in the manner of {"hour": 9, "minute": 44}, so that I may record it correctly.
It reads {"hour": 11, "minute": 19}
